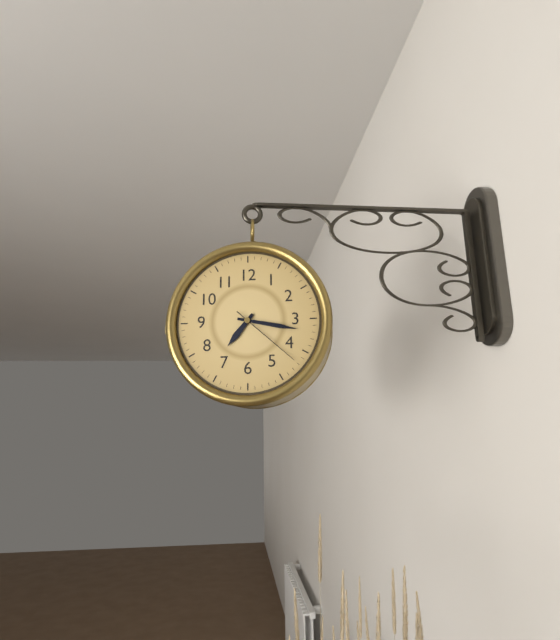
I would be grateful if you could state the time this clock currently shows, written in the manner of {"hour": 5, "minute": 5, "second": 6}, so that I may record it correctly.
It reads {"hour": 7, "minute": 17, "second": 22}
